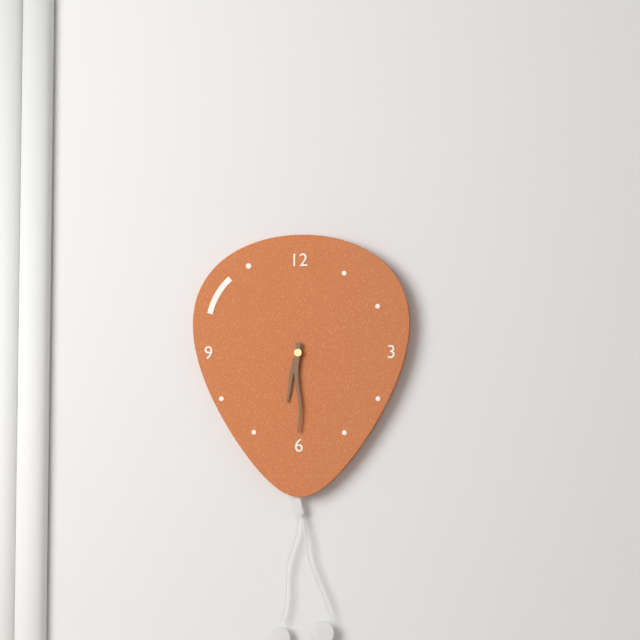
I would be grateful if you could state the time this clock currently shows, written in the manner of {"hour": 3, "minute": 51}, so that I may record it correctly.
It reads {"hour": 6, "minute": 30}
